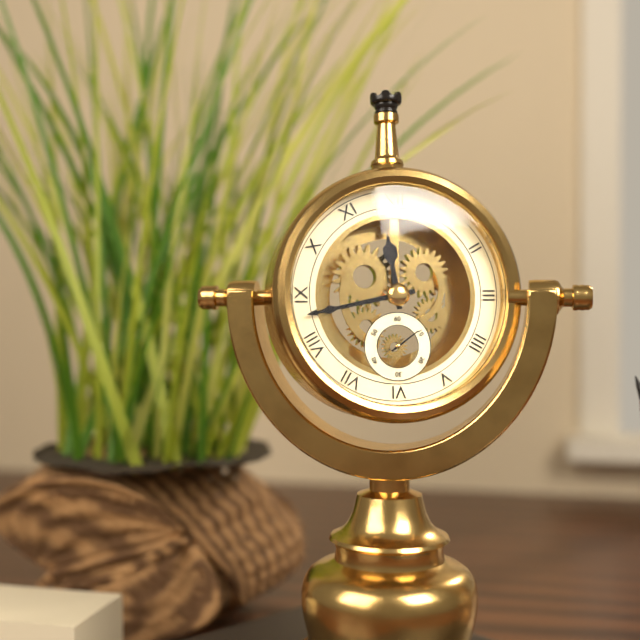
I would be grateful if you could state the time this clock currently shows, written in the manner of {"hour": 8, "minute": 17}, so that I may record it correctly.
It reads {"hour": 11, "minute": 43}
